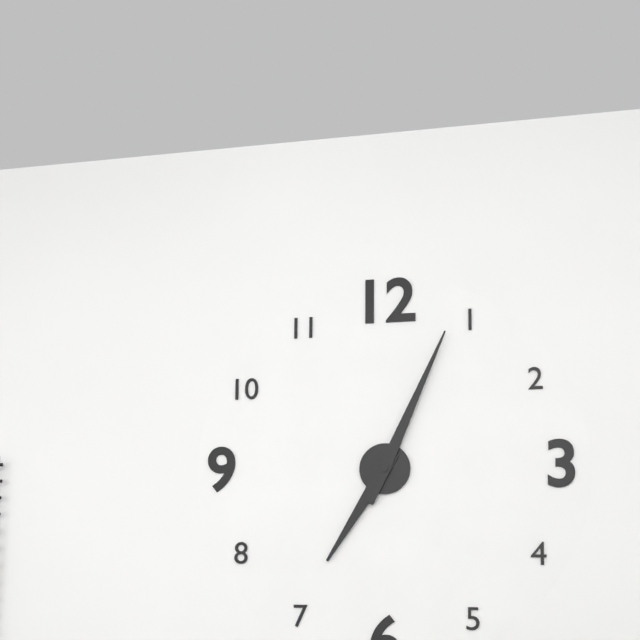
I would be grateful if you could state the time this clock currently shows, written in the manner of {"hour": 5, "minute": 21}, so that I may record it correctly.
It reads {"hour": 7, "minute": 4}
